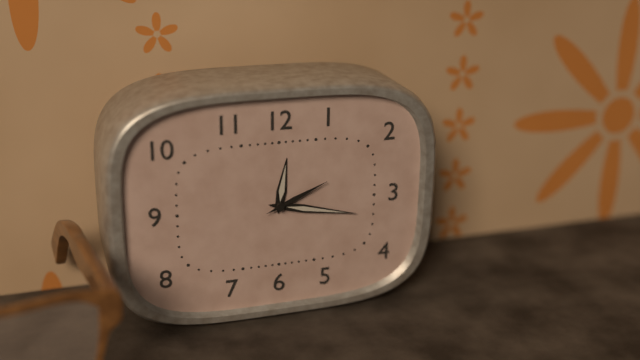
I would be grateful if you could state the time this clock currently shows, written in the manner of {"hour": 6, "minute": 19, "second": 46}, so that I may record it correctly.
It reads {"hour": 12, "minute": 17, "second": 11}
